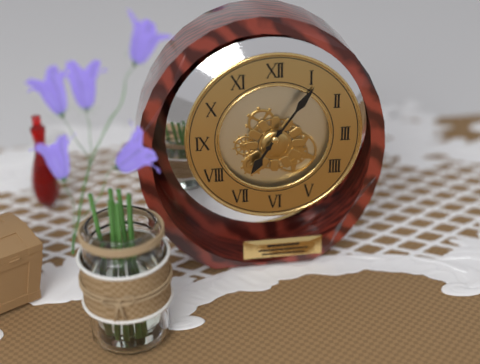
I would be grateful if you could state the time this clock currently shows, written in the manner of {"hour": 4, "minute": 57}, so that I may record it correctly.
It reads {"hour": 7, "minute": 6}
